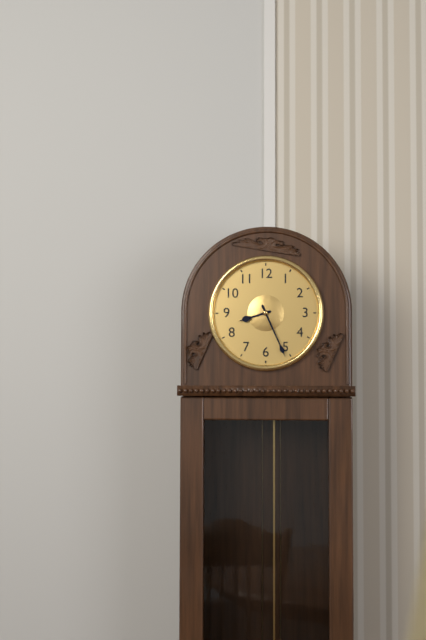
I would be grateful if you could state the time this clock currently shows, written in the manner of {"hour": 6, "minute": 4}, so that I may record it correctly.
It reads {"hour": 8, "minute": 26}
